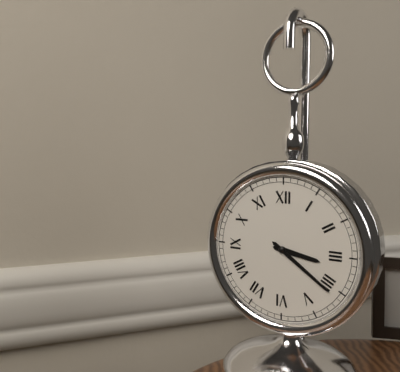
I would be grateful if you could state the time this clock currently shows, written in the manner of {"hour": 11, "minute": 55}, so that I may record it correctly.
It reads {"hour": 3, "minute": 21}
